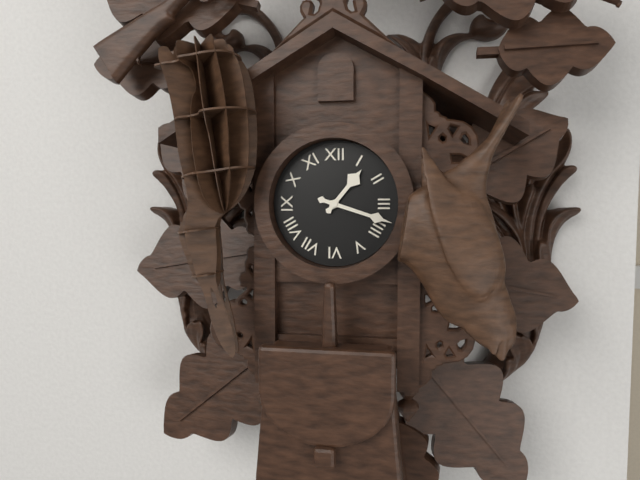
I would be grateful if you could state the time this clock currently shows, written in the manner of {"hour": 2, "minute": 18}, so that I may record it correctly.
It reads {"hour": 1, "minute": 18}
